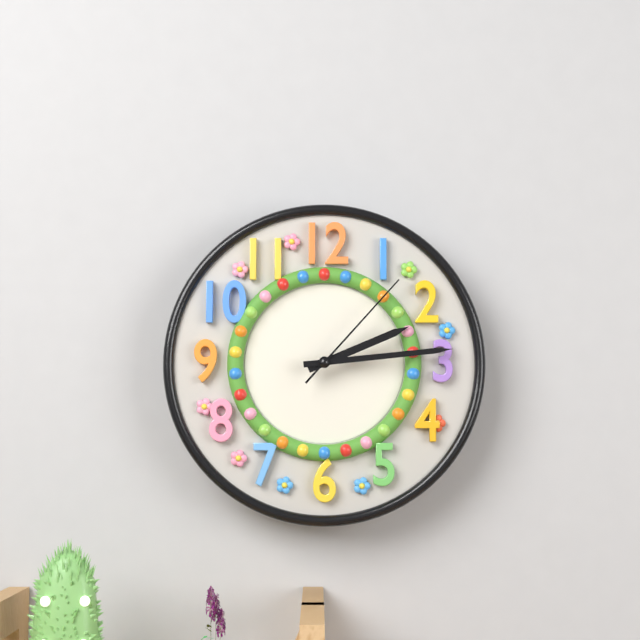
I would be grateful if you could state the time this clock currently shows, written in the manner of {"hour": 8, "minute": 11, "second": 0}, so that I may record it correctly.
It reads {"hour": 2, "minute": 14, "second": 7}
